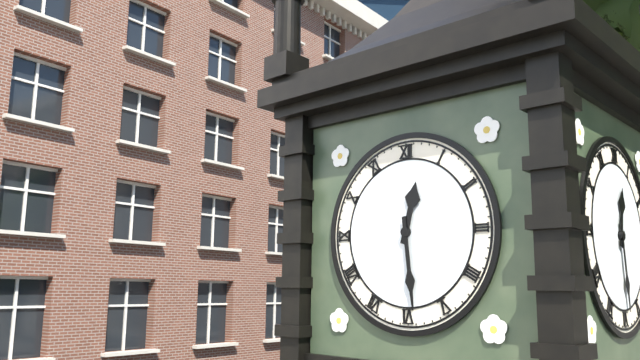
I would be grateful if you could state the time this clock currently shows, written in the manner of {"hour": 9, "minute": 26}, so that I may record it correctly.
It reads {"hour": 12, "minute": 29}
